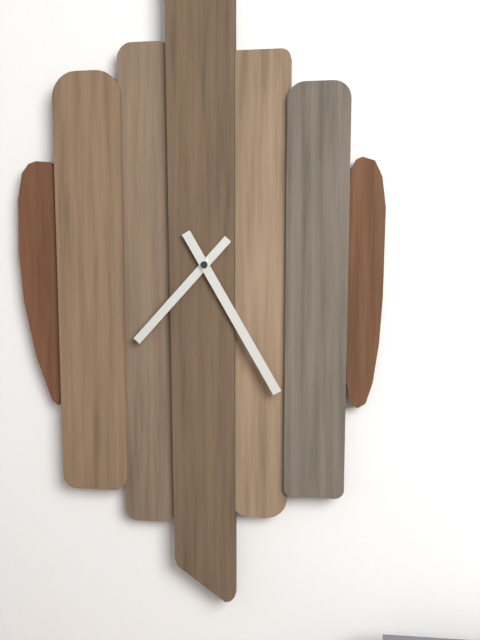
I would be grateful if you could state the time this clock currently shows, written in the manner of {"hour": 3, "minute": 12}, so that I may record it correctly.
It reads {"hour": 7, "minute": 25}
